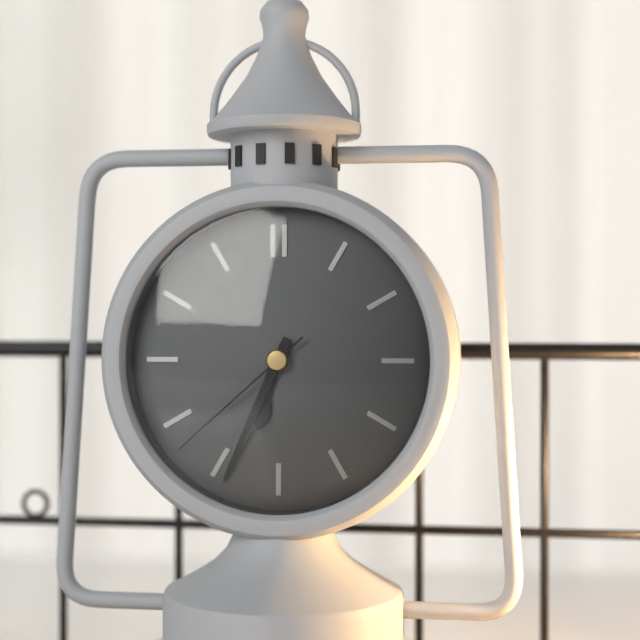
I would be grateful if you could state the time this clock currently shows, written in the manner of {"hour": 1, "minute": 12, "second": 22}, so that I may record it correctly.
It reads {"hour": 6, "minute": 34, "second": 38}
